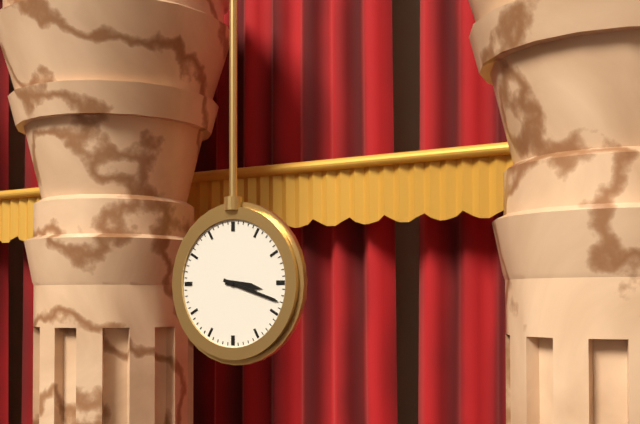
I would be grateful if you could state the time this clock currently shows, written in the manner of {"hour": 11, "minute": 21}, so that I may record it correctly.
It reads {"hour": 3, "minute": 18}
